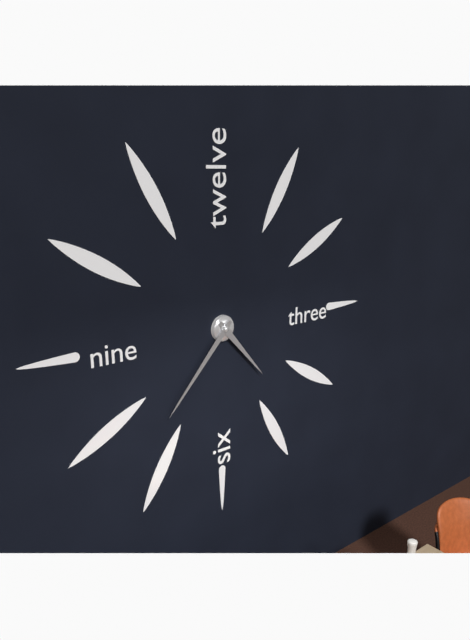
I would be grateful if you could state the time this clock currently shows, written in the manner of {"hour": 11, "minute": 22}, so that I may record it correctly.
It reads {"hour": 4, "minute": 37}
